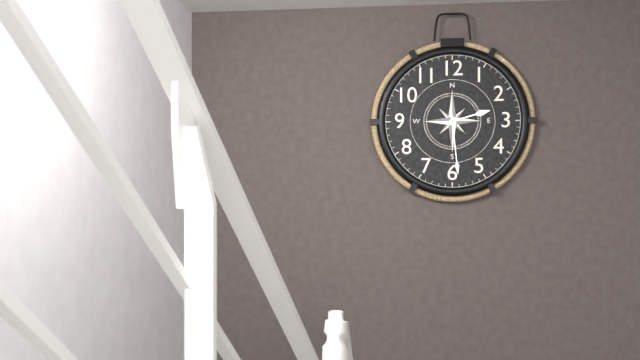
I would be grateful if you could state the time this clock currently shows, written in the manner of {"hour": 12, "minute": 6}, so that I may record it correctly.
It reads {"hour": 2, "minute": 29}
